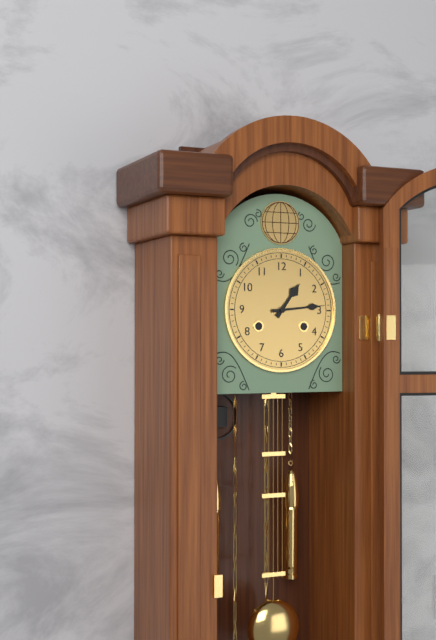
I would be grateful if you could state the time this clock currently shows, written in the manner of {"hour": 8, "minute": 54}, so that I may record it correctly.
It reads {"hour": 1, "minute": 14}
